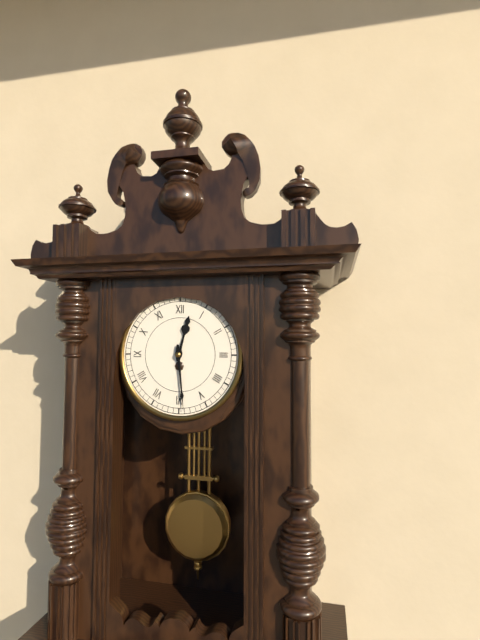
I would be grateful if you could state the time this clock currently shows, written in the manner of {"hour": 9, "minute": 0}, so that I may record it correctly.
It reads {"hour": 12, "minute": 29}
